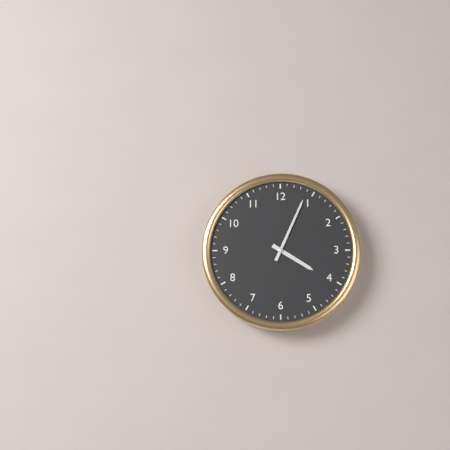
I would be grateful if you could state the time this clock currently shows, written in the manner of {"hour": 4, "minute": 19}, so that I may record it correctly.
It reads {"hour": 4, "minute": 4}
